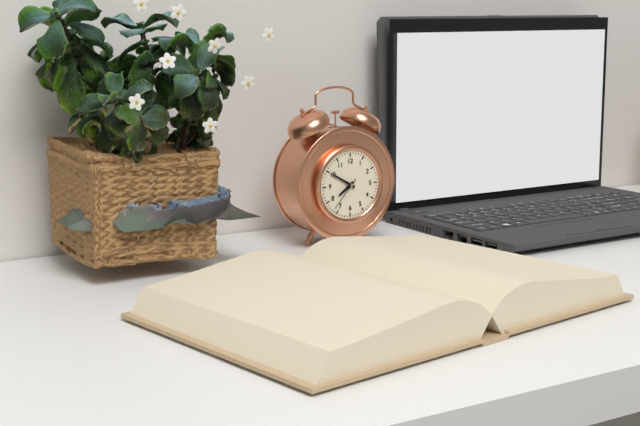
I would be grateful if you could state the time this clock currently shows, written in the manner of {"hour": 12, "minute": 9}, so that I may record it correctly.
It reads {"hour": 7, "minute": 50}
